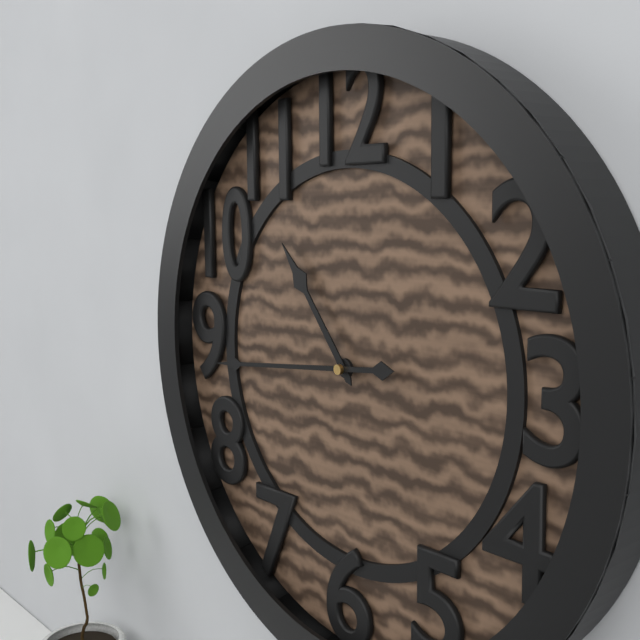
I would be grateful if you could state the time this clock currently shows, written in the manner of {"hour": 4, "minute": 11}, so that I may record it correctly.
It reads {"hour": 10, "minute": 44}
